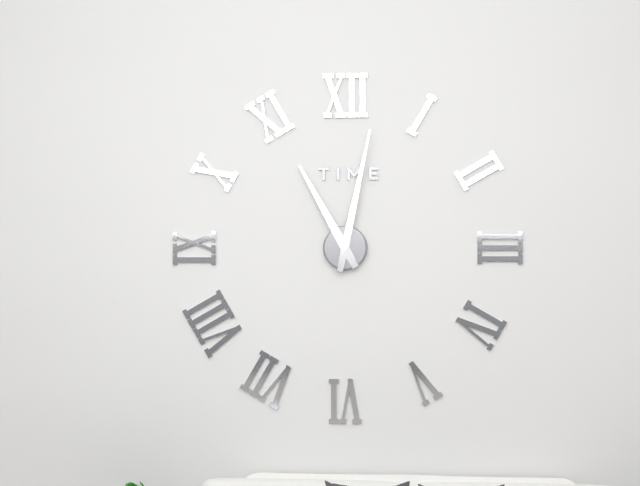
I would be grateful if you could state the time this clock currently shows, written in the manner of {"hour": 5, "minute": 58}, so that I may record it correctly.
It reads {"hour": 11, "minute": 2}
